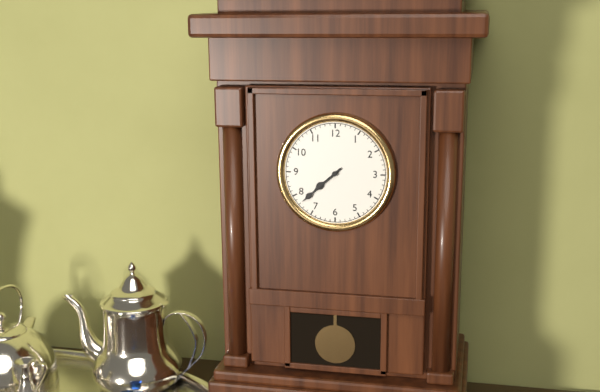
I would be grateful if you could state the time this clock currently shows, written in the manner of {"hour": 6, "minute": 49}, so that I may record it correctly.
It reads {"hour": 7, "minute": 38}
